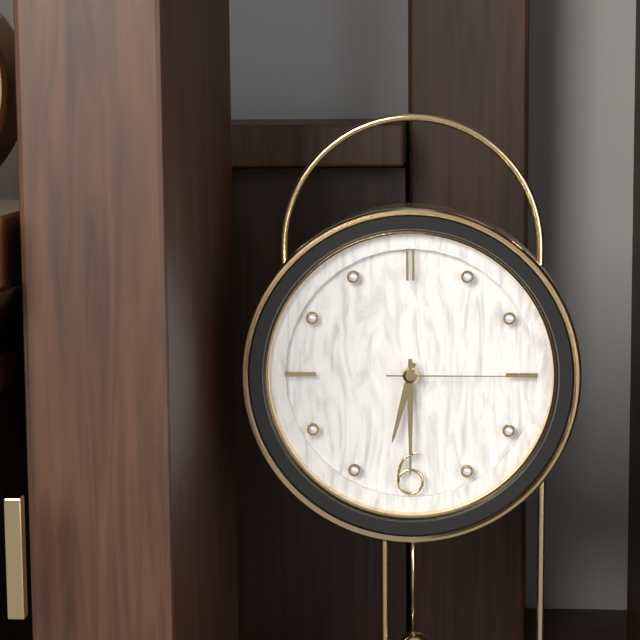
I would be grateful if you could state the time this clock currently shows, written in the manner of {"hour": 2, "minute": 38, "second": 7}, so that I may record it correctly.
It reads {"hour": 6, "minute": 30, "second": 15}
